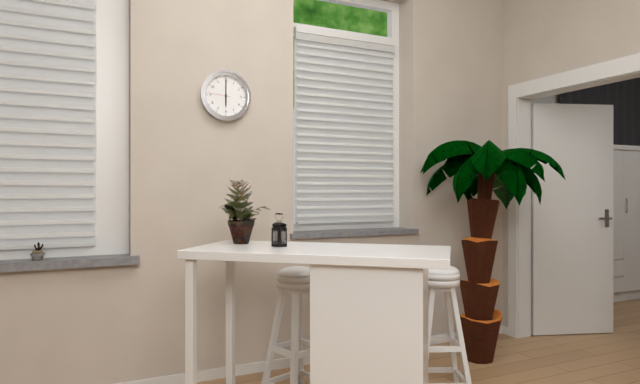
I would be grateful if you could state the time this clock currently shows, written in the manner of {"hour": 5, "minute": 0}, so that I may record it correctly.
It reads {"hour": 6, "minute": 0}
